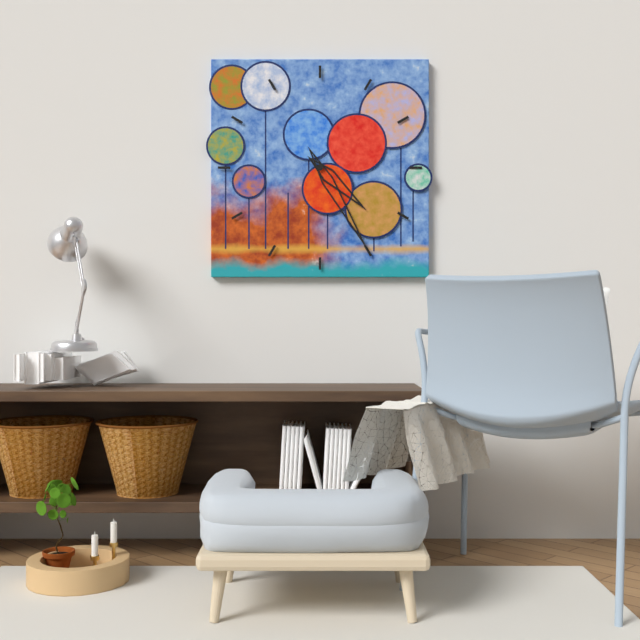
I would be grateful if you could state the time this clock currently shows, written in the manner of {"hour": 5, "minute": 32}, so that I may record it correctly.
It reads {"hour": 4, "minute": 25}
